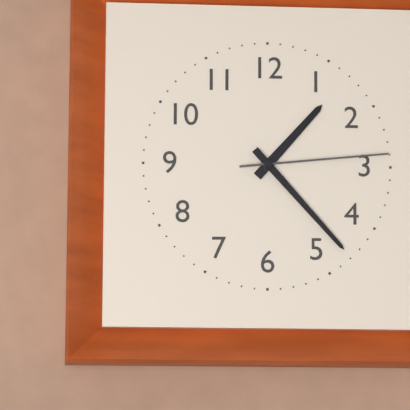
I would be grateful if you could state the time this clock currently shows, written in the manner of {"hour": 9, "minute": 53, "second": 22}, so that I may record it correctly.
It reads {"hour": 1, "minute": 23, "second": 14}
